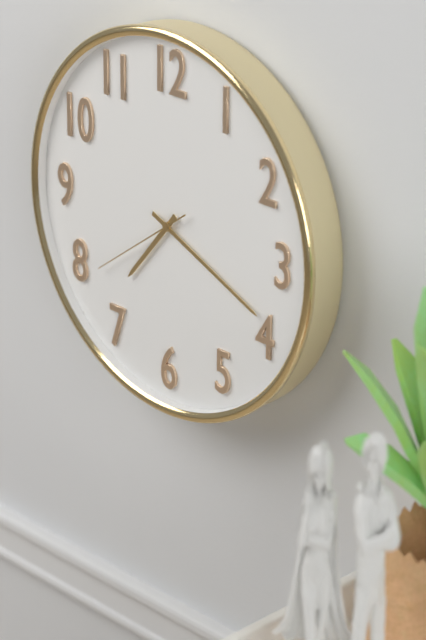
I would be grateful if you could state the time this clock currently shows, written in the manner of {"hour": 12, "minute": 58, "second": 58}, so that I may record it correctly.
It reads {"hour": 7, "minute": 19, "second": 39}
